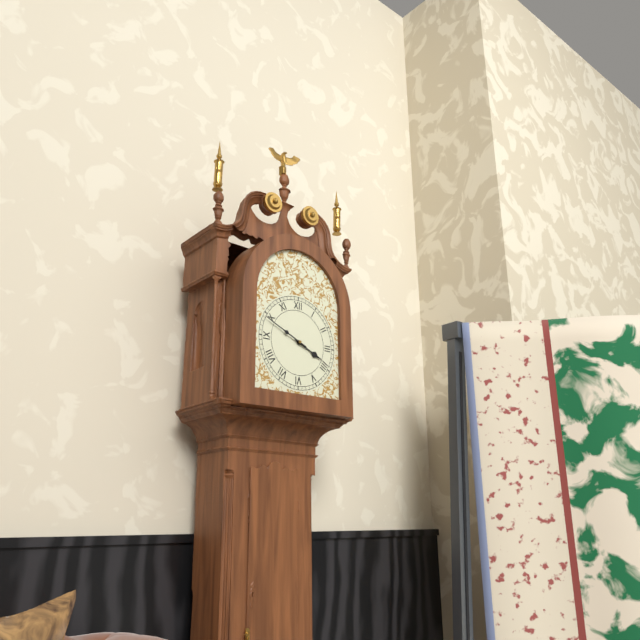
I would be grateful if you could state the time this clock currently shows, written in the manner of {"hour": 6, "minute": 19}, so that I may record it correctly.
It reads {"hour": 3, "minute": 49}
